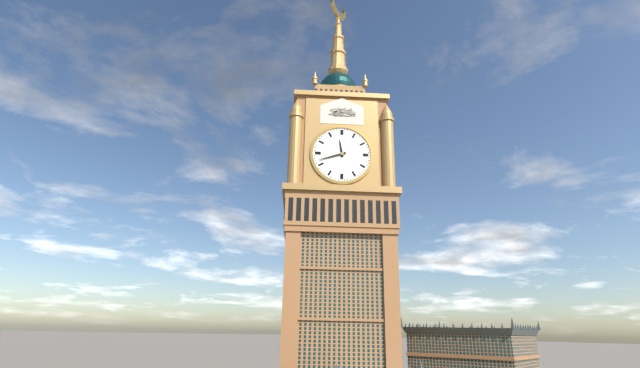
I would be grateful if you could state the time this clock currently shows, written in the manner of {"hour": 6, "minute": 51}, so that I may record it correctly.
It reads {"hour": 11, "minute": 42}
